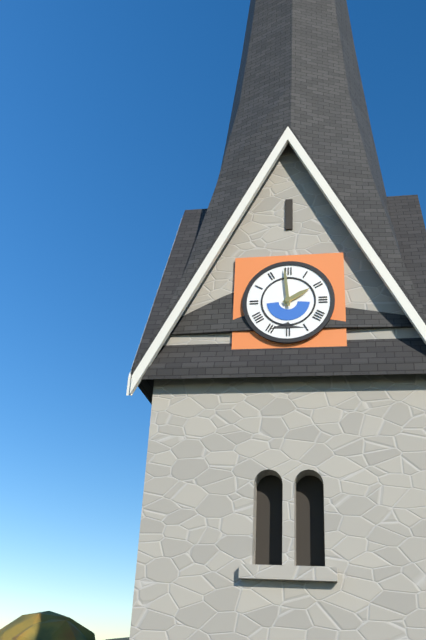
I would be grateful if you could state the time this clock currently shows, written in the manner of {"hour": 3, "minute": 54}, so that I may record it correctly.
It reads {"hour": 1, "minute": 59}
